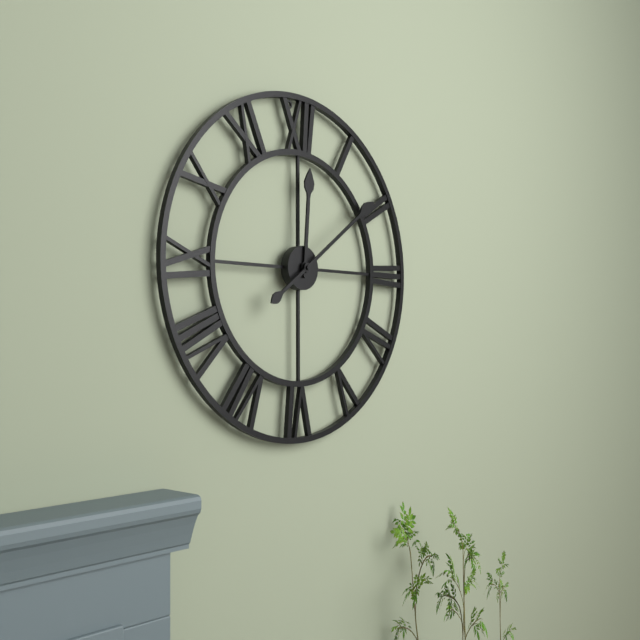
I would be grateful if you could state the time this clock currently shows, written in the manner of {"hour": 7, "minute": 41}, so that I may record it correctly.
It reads {"hour": 12, "minute": 9}
